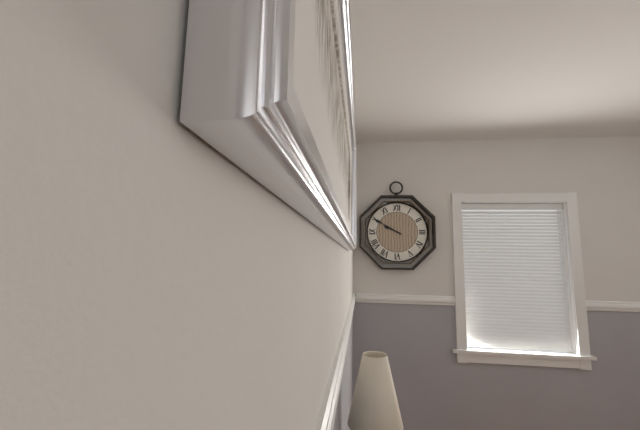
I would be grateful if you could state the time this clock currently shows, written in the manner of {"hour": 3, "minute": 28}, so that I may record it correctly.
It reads {"hour": 9, "minute": 50}
